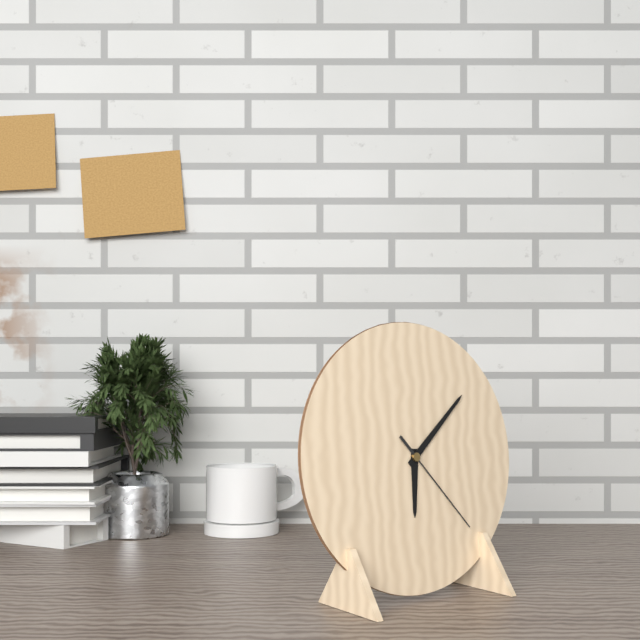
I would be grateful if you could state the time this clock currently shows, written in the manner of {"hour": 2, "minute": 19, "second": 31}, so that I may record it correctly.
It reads {"hour": 6, "minute": 8, "second": 23}
